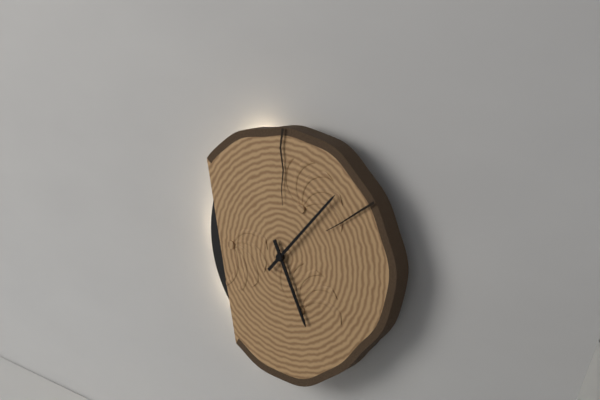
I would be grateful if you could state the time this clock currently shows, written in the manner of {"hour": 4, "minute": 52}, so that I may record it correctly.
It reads {"hour": 5, "minute": 7}
